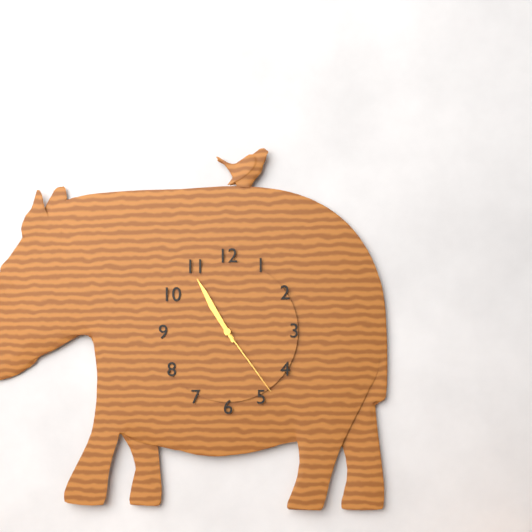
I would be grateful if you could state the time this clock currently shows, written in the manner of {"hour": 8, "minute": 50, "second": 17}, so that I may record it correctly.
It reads {"hour": 10, "minute": 55, "second": 24}
